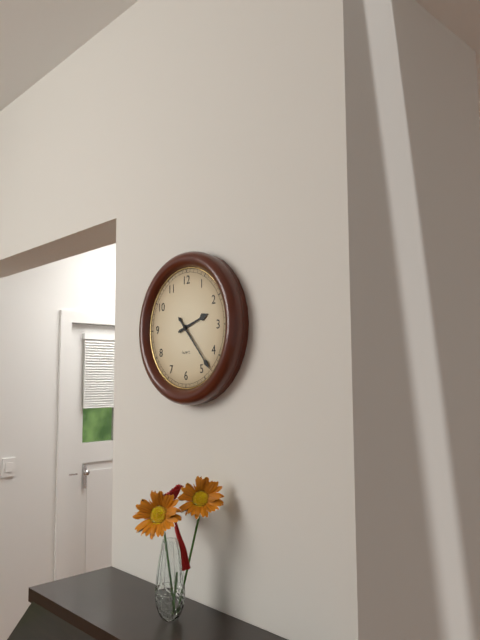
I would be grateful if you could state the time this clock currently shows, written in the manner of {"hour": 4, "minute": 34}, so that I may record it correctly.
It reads {"hour": 2, "minute": 23}
